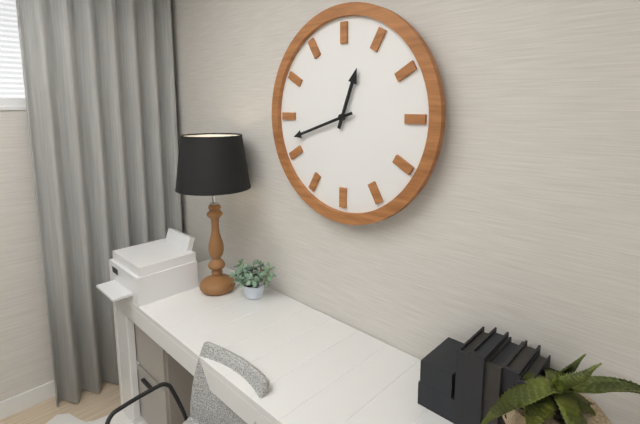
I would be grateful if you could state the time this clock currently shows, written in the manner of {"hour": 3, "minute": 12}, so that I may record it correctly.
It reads {"hour": 12, "minute": 42}
